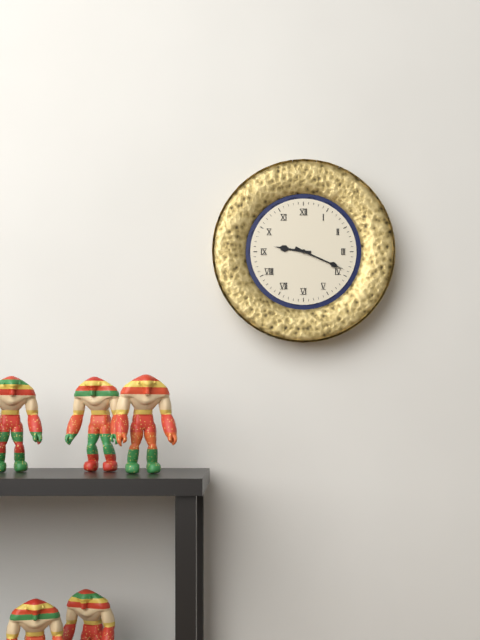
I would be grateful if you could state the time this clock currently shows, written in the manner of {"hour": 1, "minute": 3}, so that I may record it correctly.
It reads {"hour": 9, "minute": 19}
